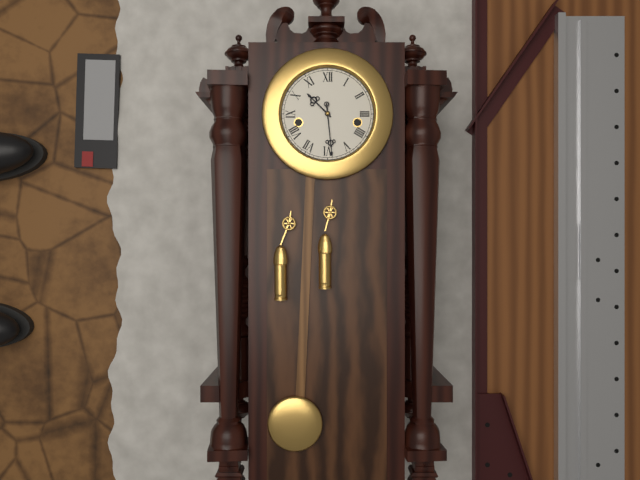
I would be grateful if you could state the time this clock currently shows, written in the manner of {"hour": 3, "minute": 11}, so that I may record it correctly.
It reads {"hour": 10, "minute": 29}
